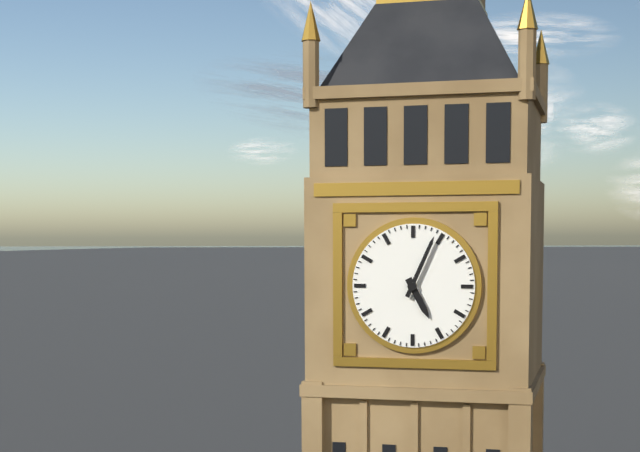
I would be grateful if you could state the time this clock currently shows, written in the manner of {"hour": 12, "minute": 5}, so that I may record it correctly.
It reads {"hour": 5, "minute": 4}
